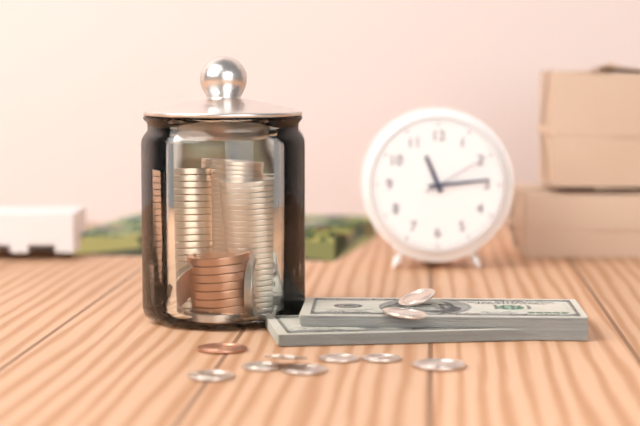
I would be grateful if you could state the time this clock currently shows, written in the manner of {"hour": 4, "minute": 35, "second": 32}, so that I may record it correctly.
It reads {"hour": 11, "minute": 14, "second": 10}
